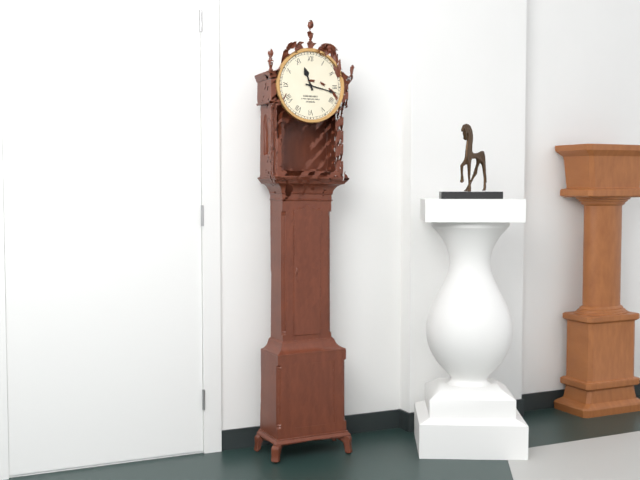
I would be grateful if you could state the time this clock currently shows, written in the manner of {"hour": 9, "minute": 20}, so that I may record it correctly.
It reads {"hour": 11, "minute": 17}
